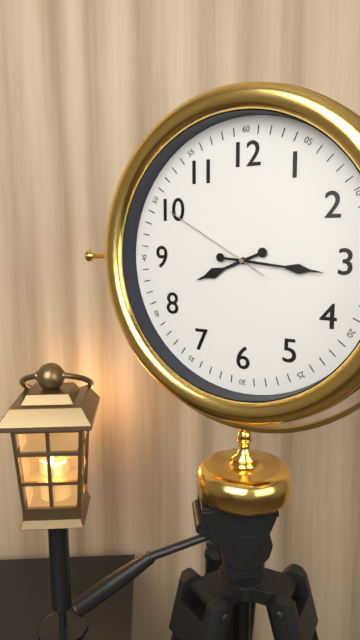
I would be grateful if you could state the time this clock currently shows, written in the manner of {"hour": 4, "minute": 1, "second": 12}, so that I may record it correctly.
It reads {"hour": 8, "minute": 16, "second": 50}
